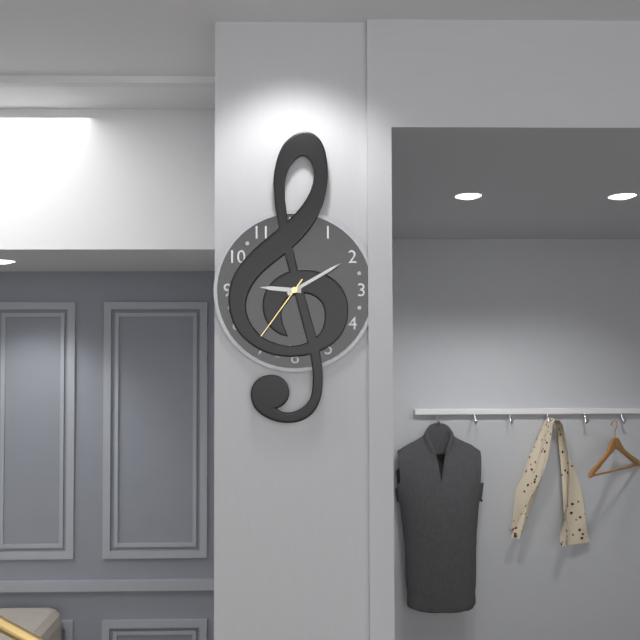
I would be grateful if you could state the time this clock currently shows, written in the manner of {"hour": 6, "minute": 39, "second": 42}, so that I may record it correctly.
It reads {"hour": 9, "minute": 10, "second": 36}
